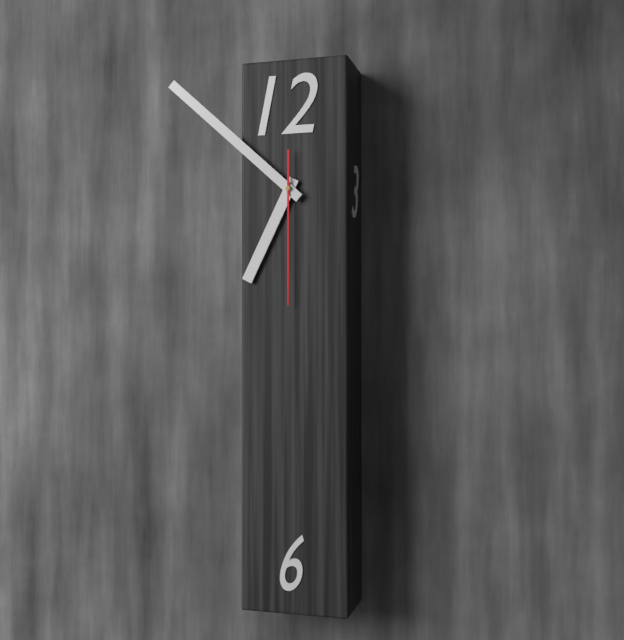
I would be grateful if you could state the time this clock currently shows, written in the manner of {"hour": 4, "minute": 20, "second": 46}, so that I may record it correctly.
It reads {"hour": 6, "minute": 52, "second": 30}
